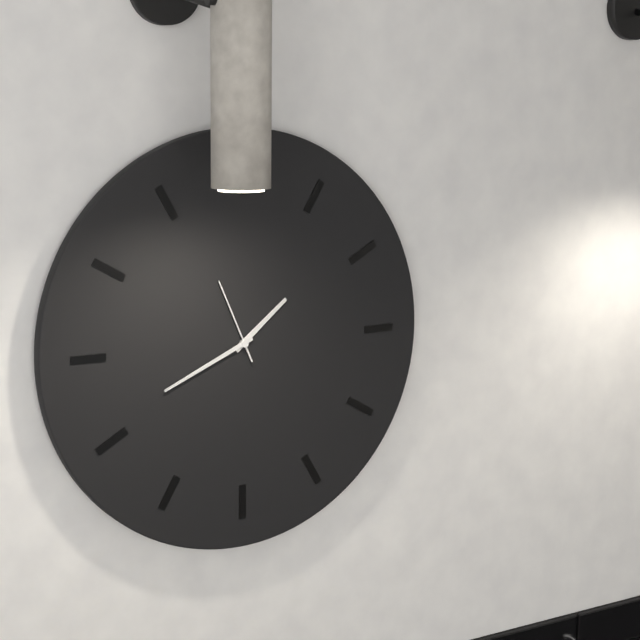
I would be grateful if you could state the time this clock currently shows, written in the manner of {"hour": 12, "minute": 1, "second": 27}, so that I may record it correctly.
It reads {"hour": 1, "minute": 41, "second": 56}
